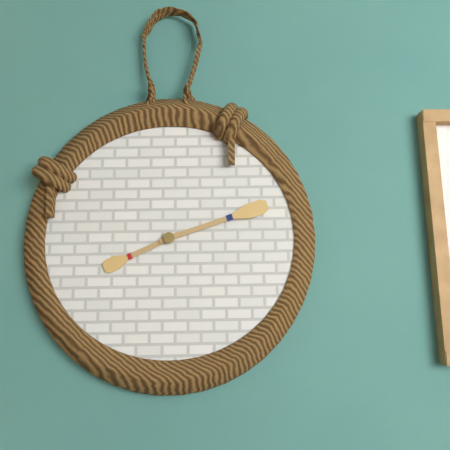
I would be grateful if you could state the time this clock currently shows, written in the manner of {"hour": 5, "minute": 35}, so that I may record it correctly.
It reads {"hour": 8, "minute": 12}
